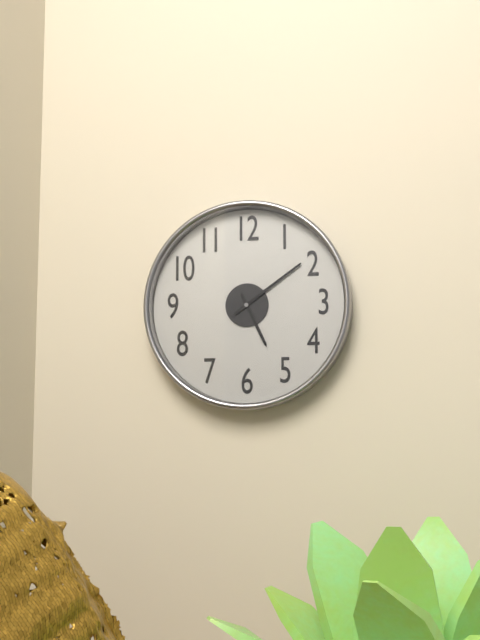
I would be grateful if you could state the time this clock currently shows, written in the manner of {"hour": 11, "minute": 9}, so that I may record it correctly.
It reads {"hour": 5, "minute": 9}
